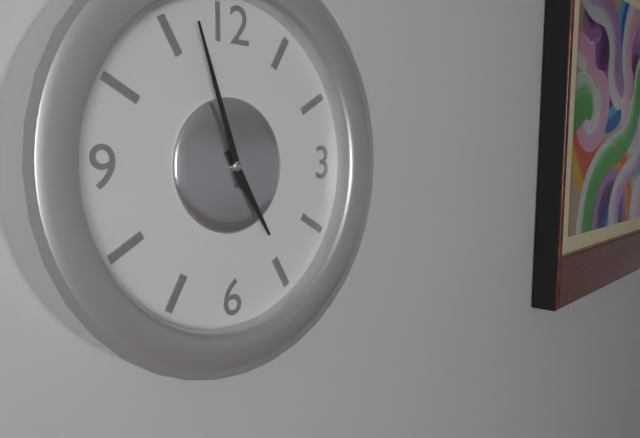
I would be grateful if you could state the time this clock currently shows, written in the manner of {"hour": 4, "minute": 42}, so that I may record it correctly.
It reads {"hour": 4, "minute": 57}
